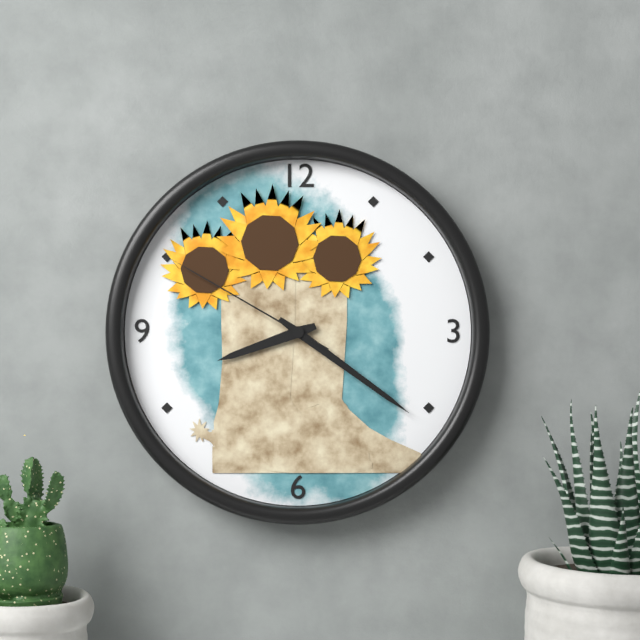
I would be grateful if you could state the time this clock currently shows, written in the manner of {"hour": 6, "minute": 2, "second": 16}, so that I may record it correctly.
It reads {"hour": 8, "minute": 21, "second": 50}
